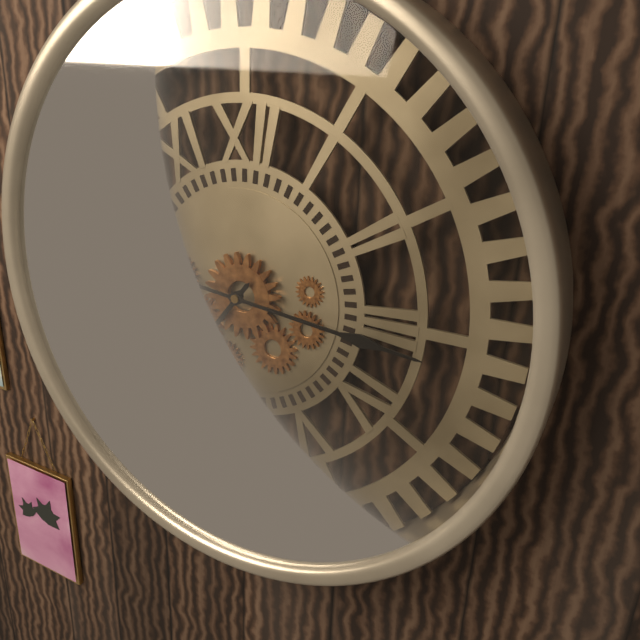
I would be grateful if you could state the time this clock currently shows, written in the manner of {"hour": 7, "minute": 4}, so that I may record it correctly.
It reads {"hour": 7, "minute": 16}
